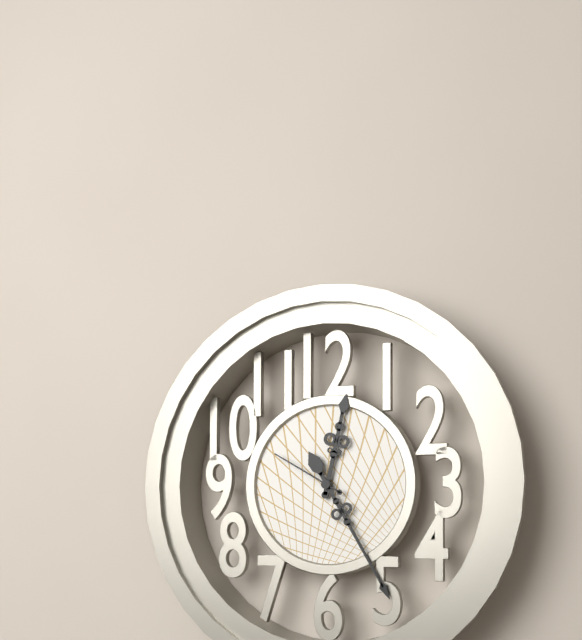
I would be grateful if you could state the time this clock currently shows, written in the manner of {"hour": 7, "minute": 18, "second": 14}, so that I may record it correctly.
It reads {"hour": 12, "minute": 25, "second": 50}
